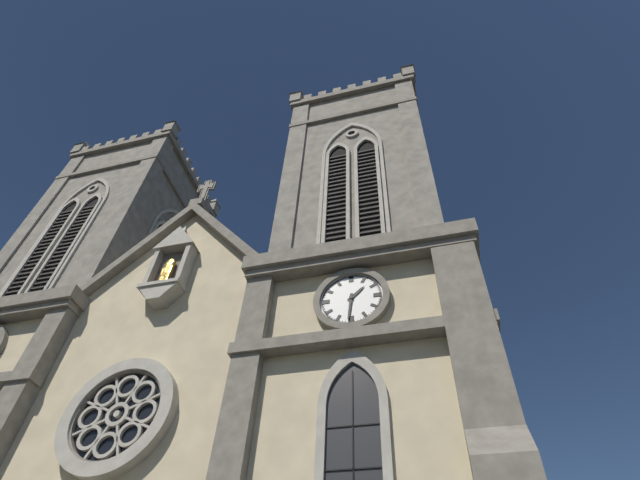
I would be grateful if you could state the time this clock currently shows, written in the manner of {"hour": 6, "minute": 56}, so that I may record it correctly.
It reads {"hour": 1, "minute": 31}
